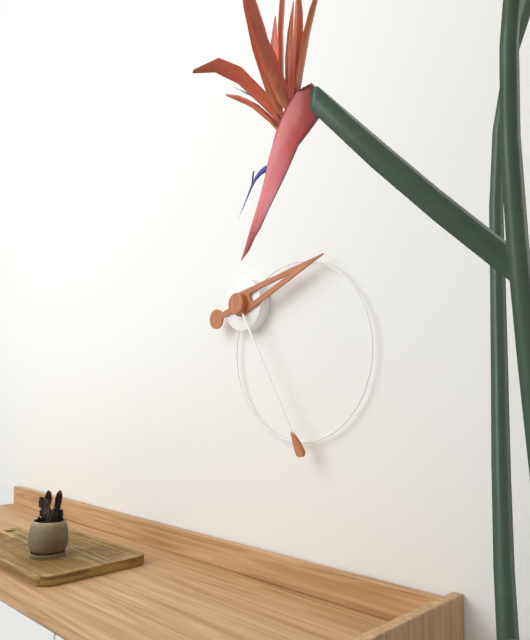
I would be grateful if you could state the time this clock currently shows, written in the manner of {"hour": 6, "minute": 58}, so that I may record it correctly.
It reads {"hour": 2, "minute": 25}
